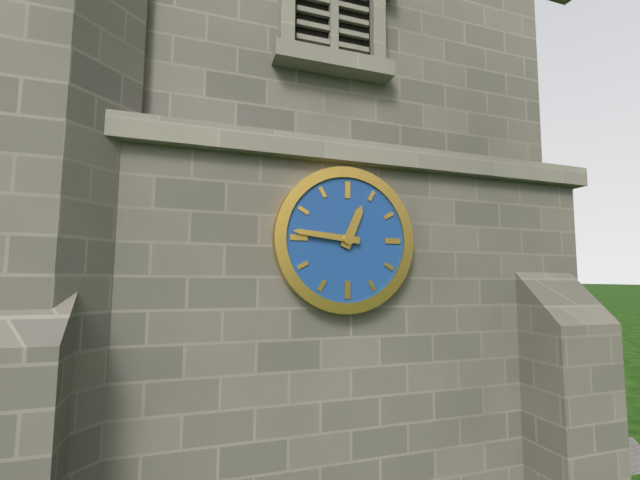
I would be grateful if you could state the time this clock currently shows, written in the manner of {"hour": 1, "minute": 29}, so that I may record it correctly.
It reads {"hour": 12, "minute": 46}
